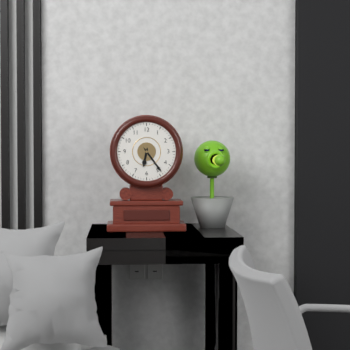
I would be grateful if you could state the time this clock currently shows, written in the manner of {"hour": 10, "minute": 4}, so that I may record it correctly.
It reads {"hour": 6, "minute": 24}
